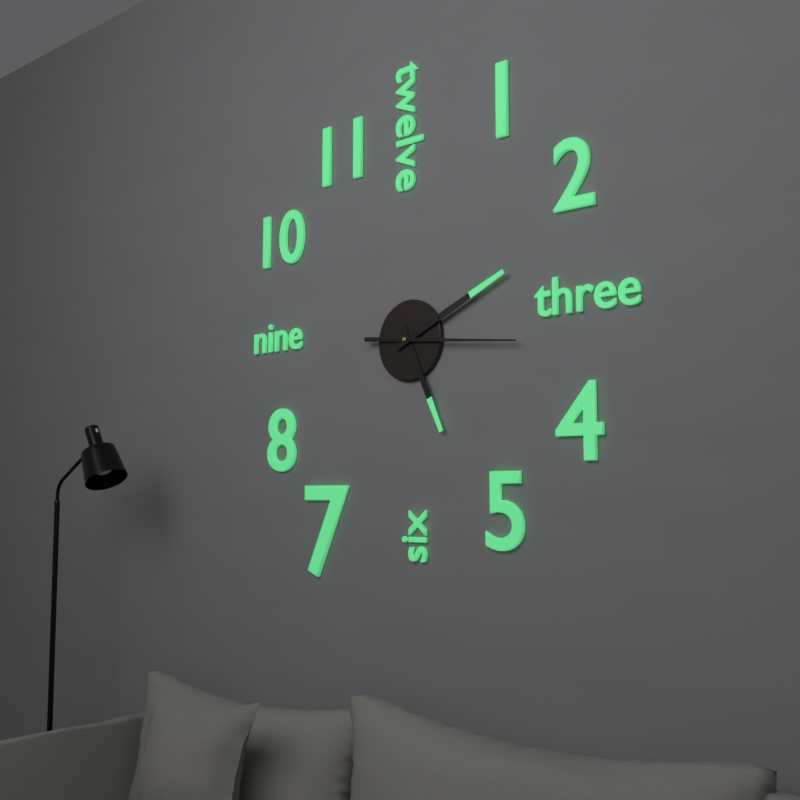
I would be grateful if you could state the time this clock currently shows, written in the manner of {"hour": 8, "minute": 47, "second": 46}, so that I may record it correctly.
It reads {"hour": 5, "minute": 11, "second": 16}
